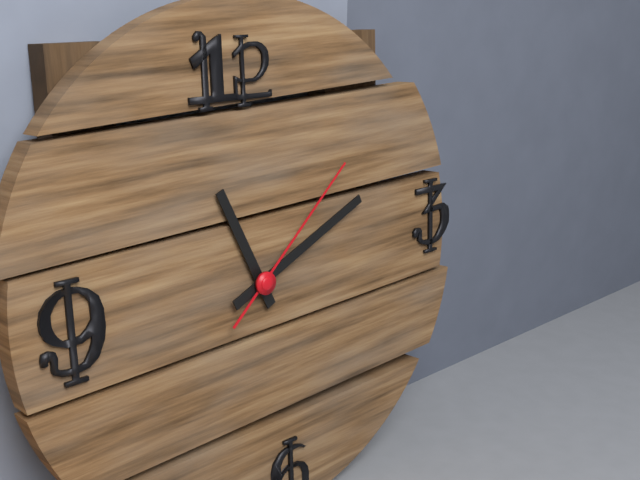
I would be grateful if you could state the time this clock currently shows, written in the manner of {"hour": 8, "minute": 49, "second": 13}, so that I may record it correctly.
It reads {"hour": 11, "minute": 11, "second": 8}
